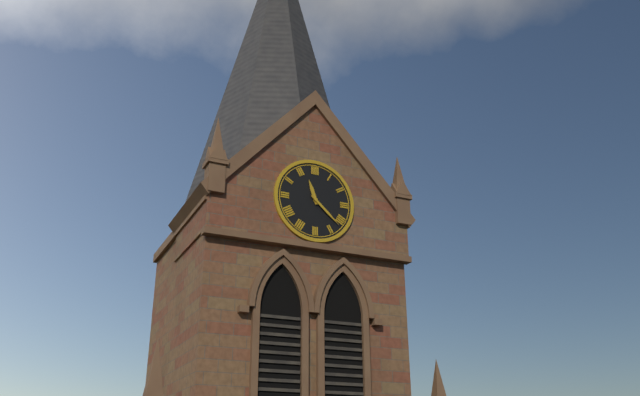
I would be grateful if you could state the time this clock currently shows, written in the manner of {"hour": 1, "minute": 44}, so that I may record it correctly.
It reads {"hour": 11, "minute": 22}
